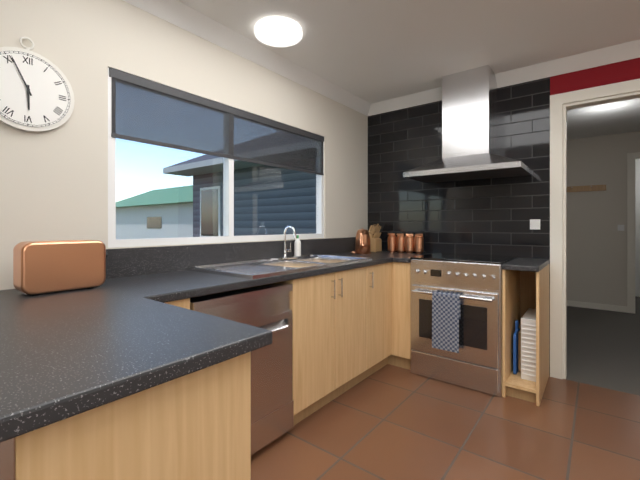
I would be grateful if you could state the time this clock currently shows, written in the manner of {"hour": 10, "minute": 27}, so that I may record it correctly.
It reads {"hour": 5, "minute": 56}
